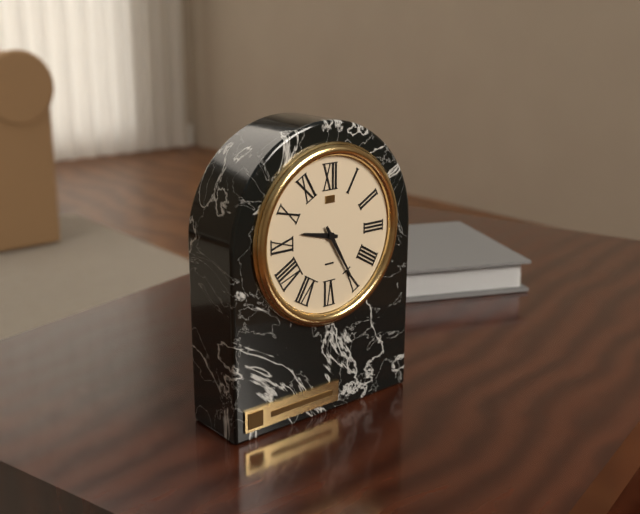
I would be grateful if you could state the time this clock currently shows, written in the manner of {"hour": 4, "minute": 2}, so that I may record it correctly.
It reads {"hour": 9, "minute": 25}
